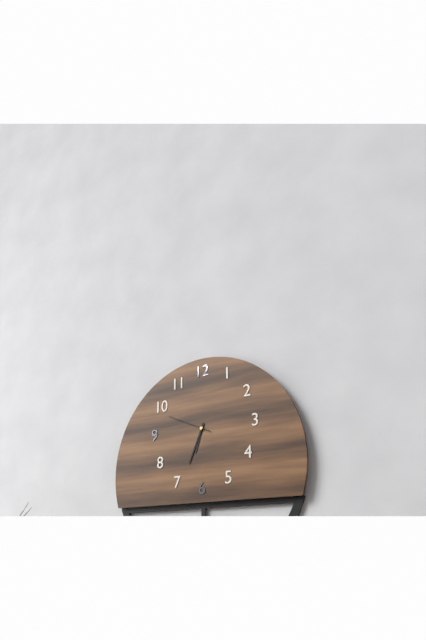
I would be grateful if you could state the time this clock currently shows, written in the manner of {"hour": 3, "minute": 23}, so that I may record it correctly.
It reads {"hour": 6, "minute": 34}
